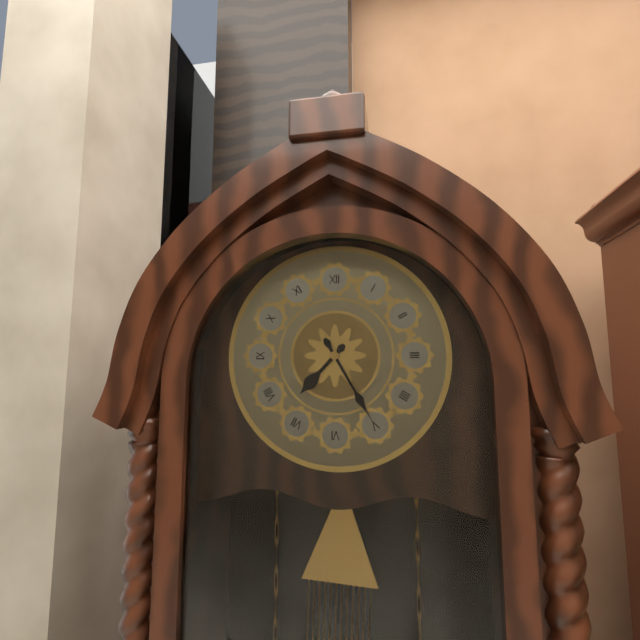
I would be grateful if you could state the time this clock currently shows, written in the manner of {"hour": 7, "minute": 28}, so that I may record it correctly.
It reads {"hour": 7, "minute": 25}
